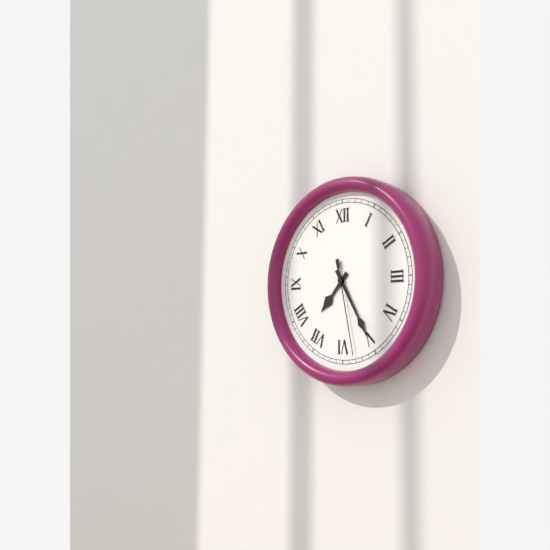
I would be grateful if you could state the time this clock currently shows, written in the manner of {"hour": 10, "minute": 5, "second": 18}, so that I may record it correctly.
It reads {"hour": 7, "minute": 25, "second": 28}
